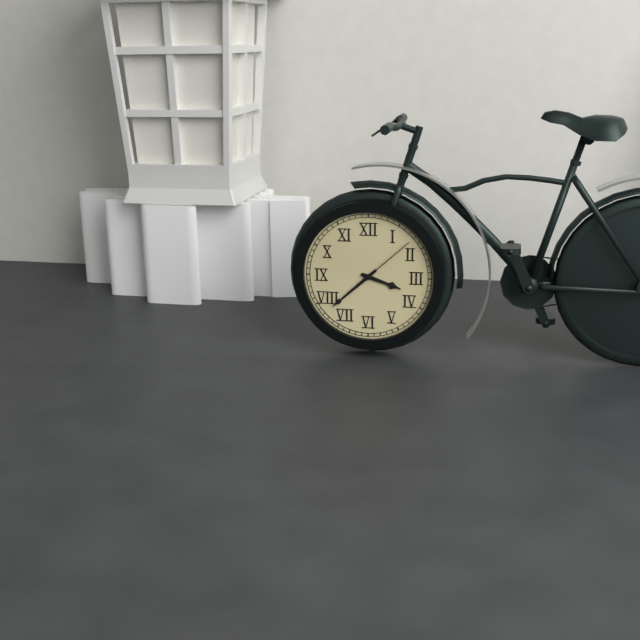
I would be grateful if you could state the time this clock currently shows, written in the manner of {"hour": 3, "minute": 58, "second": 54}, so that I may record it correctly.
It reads {"hour": 3, "minute": 38, "second": 8}
